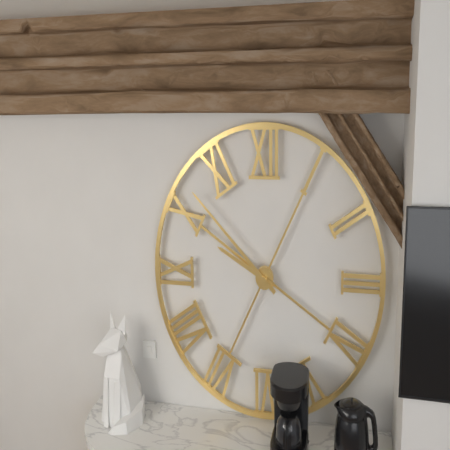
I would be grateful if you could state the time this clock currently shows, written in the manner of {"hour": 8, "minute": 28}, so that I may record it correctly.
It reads {"hour": 9, "minute": 52}
